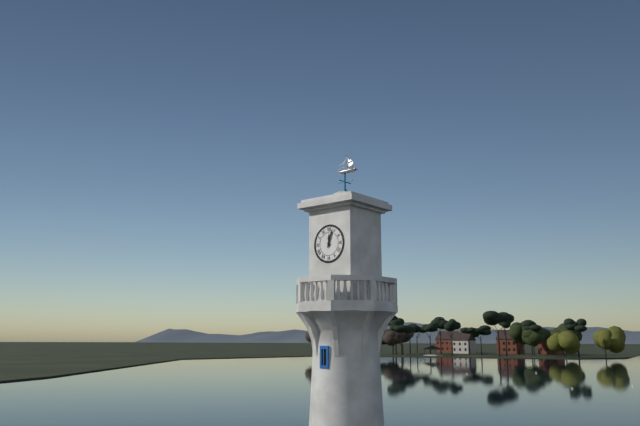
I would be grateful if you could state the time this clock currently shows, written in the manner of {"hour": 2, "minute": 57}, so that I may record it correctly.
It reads {"hour": 12, "minute": 3}
